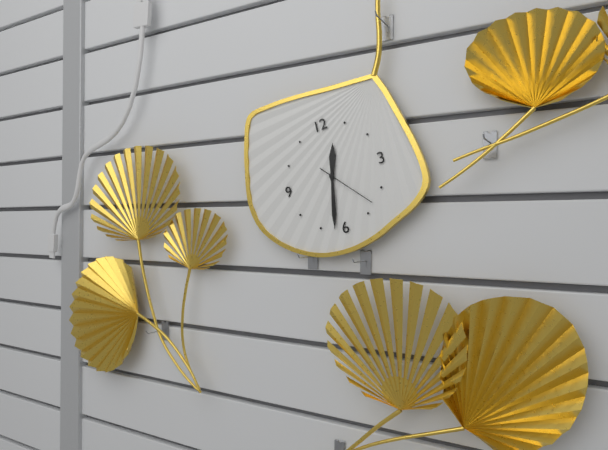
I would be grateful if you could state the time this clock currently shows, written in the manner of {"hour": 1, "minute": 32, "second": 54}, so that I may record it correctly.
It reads {"hour": 12, "minute": 32, "second": 23}
